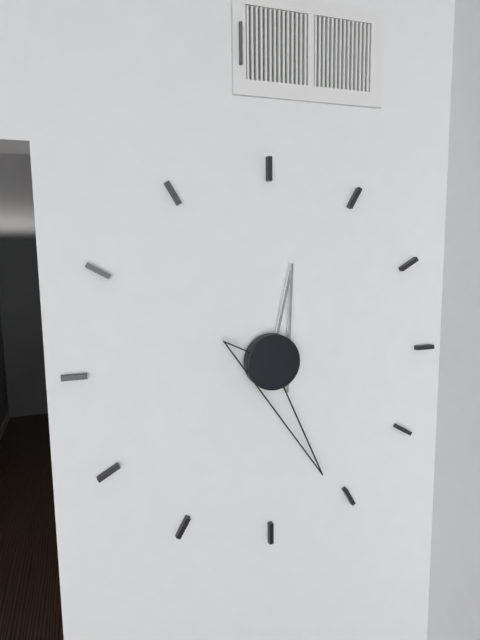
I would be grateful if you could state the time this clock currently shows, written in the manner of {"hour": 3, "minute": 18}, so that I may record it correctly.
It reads {"hour": 12, "minute": 26}
